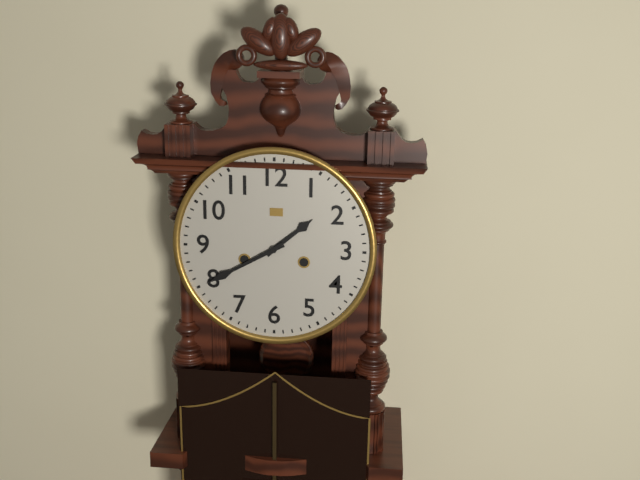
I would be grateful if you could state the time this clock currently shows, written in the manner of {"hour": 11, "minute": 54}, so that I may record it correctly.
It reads {"hour": 1, "minute": 40}
